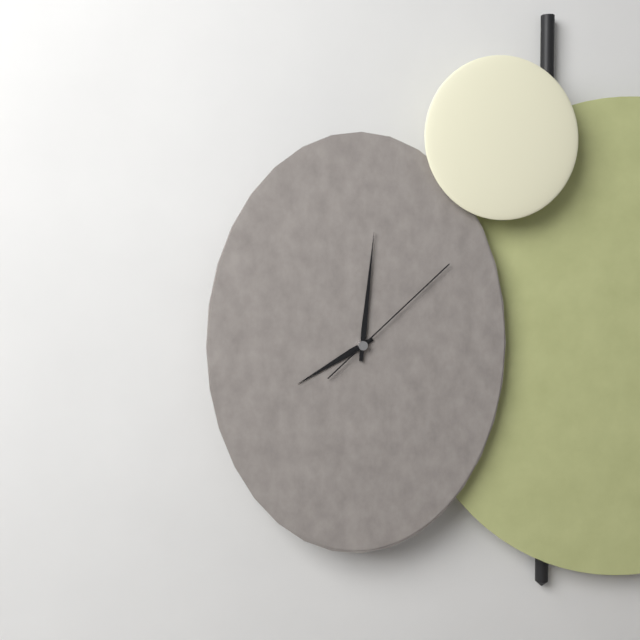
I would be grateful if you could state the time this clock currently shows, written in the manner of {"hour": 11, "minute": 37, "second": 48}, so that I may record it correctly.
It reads {"hour": 8, "minute": 1, "second": 8}
